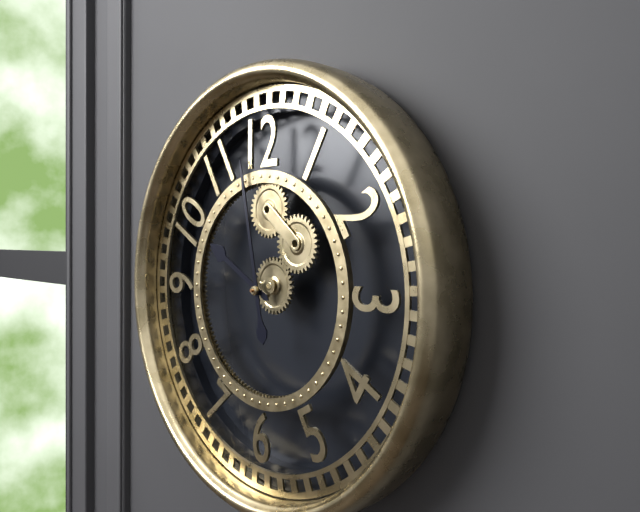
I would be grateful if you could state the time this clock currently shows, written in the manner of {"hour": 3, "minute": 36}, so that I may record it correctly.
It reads {"hour": 9, "minute": 58}
